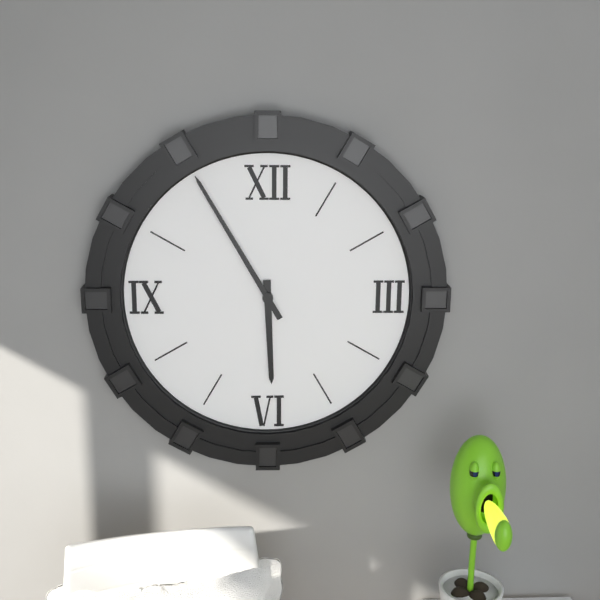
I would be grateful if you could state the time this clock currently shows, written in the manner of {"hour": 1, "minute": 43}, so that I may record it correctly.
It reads {"hour": 5, "minute": 55}
